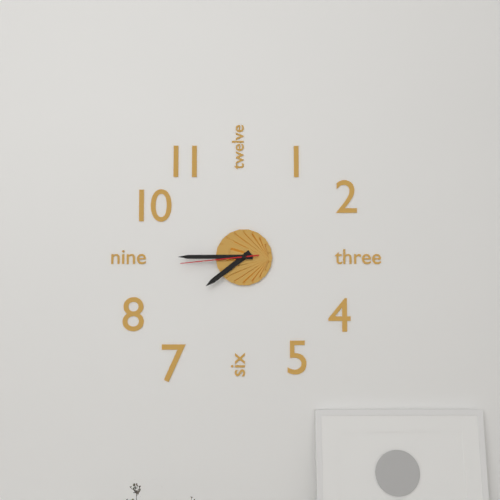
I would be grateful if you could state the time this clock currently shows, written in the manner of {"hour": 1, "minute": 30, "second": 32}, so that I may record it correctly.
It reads {"hour": 7, "minute": 45, "second": 44}
